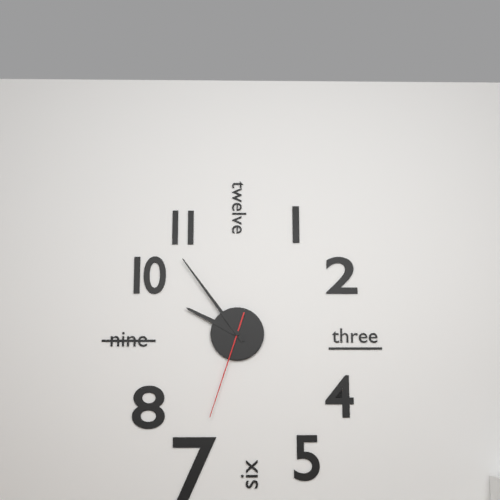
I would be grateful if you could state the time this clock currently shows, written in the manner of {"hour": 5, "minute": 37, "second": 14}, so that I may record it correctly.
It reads {"hour": 9, "minute": 54, "second": 33}
